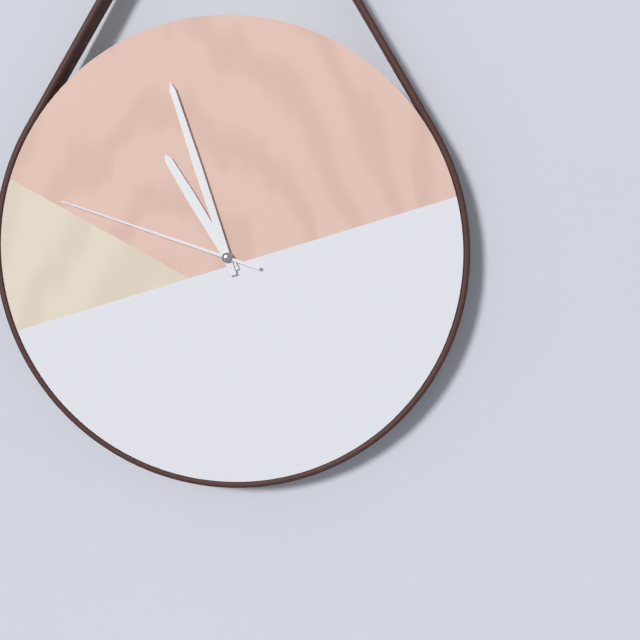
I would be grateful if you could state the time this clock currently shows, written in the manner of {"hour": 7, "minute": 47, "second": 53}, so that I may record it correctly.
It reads {"hour": 10, "minute": 57, "second": 48}
